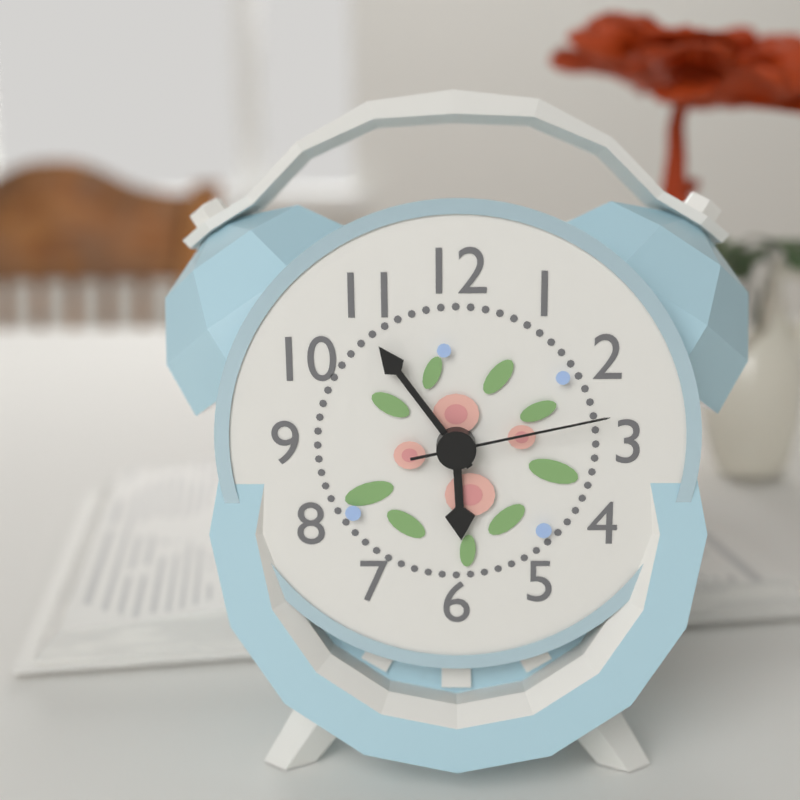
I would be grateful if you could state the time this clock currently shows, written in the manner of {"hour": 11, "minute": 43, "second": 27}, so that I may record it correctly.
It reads {"hour": 5, "minute": 54, "second": 13}
